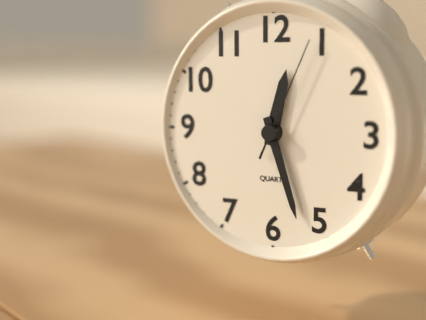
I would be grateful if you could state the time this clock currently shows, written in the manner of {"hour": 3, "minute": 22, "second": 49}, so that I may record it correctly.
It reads {"hour": 12, "minute": 27, "second": 4}
